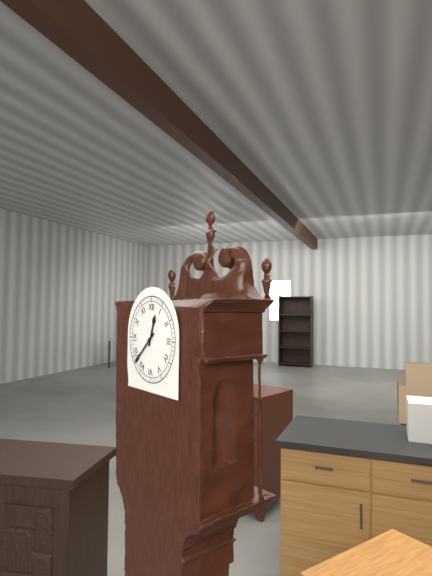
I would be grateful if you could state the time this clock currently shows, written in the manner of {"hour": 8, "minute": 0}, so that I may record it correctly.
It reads {"hour": 12, "minute": 38}
